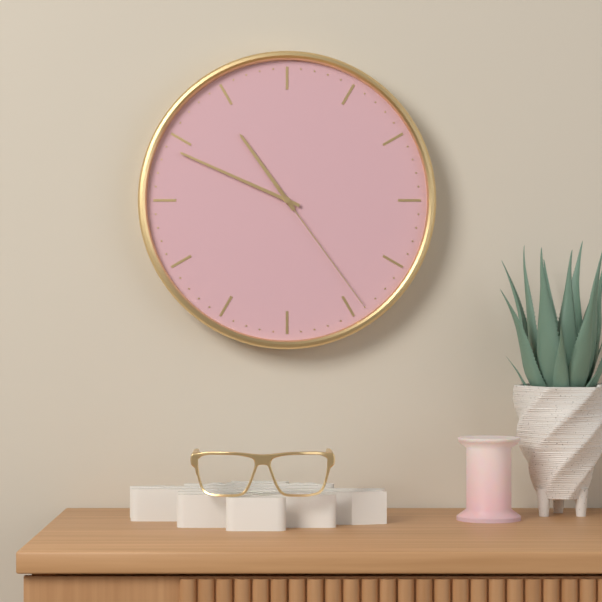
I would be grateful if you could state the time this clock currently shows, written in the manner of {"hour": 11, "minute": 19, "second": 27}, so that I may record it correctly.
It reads {"hour": 10, "minute": 49, "second": 24}
